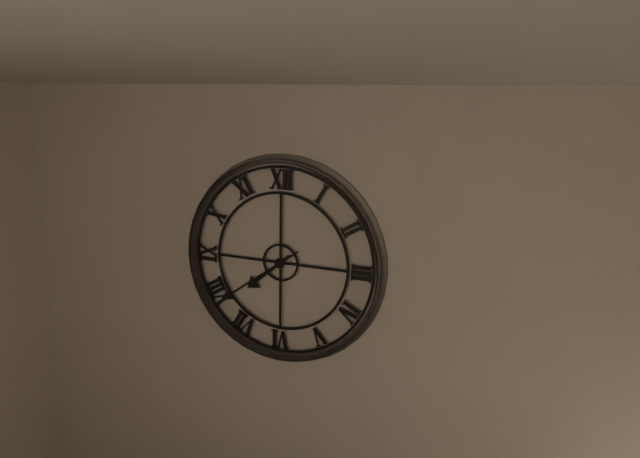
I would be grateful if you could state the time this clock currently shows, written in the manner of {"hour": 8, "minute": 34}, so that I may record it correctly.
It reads {"hour": 7, "minute": 39}
